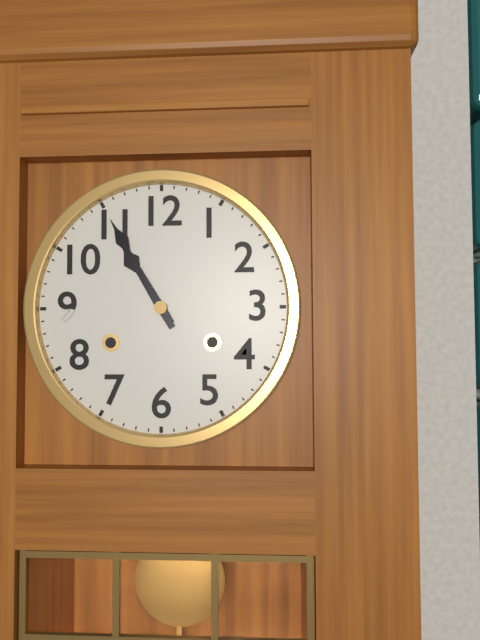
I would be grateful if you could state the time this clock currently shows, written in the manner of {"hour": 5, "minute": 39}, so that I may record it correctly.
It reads {"hour": 10, "minute": 55}
